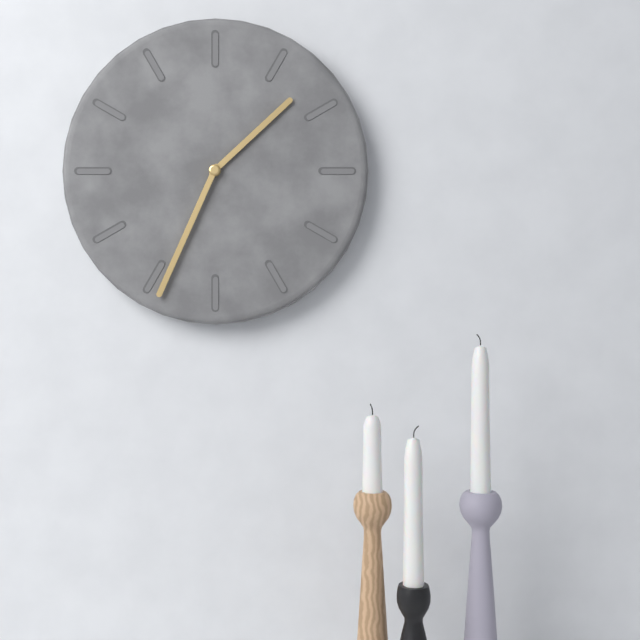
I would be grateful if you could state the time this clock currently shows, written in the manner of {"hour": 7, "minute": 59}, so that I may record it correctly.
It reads {"hour": 1, "minute": 34}
